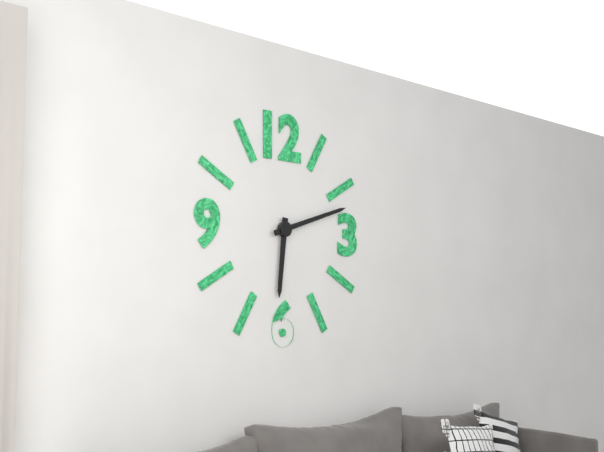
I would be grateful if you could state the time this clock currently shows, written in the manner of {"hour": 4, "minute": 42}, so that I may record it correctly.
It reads {"hour": 6, "minute": 12}
